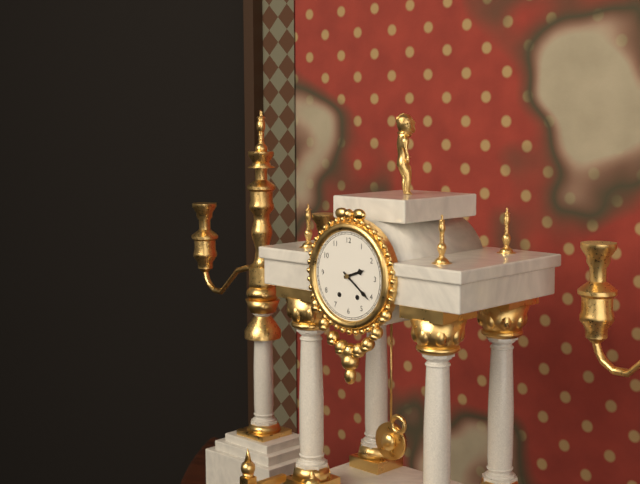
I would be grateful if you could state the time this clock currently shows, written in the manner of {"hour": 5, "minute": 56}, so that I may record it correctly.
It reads {"hour": 2, "minute": 21}
